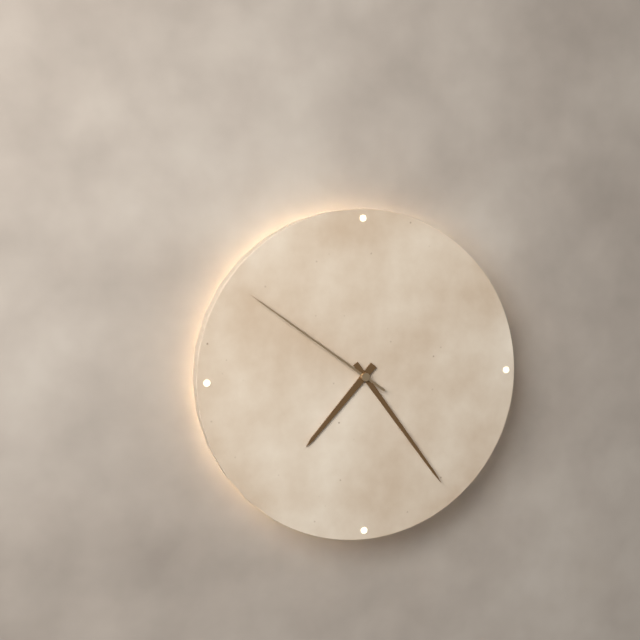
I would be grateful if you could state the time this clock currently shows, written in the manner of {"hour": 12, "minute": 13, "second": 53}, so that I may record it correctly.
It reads {"hour": 7, "minute": 24, "second": 51}
